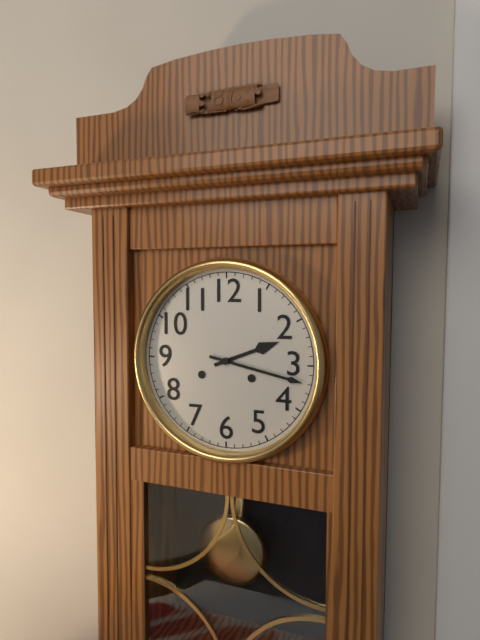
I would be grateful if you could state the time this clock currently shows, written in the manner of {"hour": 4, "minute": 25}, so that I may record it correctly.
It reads {"hour": 2, "minute": 17}
